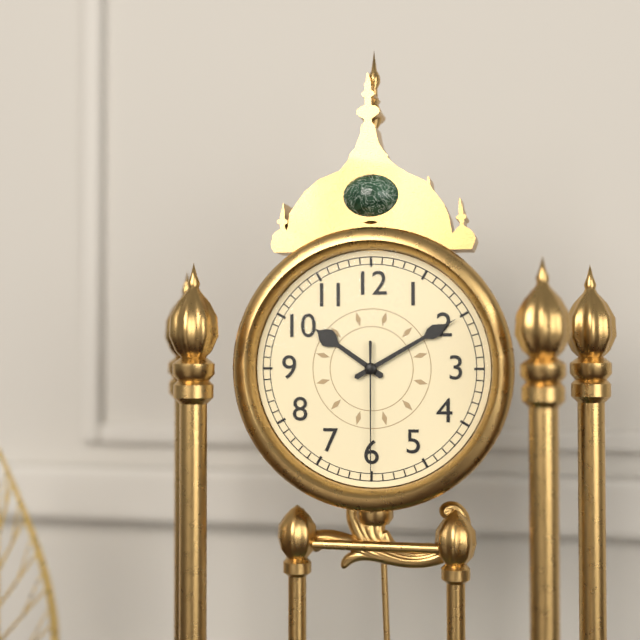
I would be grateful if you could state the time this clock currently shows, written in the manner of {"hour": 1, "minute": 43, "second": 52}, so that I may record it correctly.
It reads {"hour": 10, "minute": 10, "second": 30}
